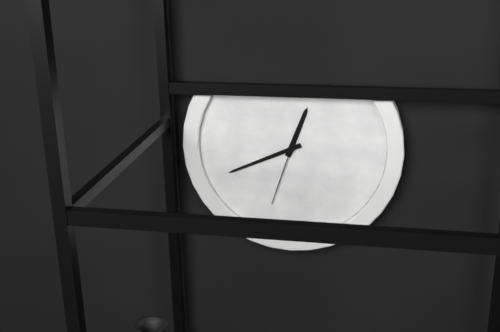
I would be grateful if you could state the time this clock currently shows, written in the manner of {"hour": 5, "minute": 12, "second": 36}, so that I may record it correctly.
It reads {"hour": 12, "minute": 41, "second": 33}
